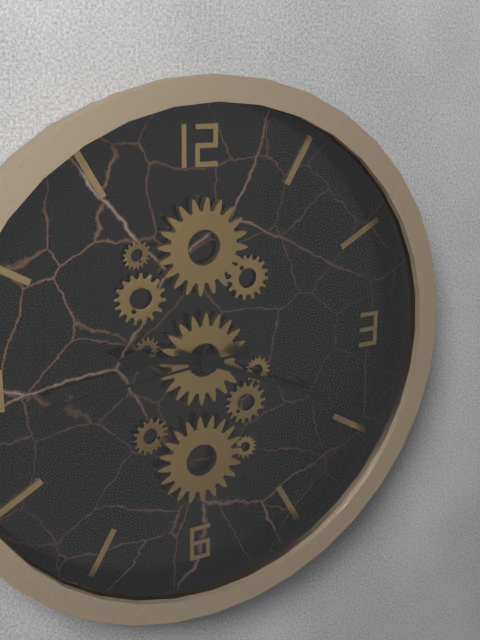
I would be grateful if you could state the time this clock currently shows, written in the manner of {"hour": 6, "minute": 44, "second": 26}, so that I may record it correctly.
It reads {"hour": 9, "minute": 19, "second": 44}
